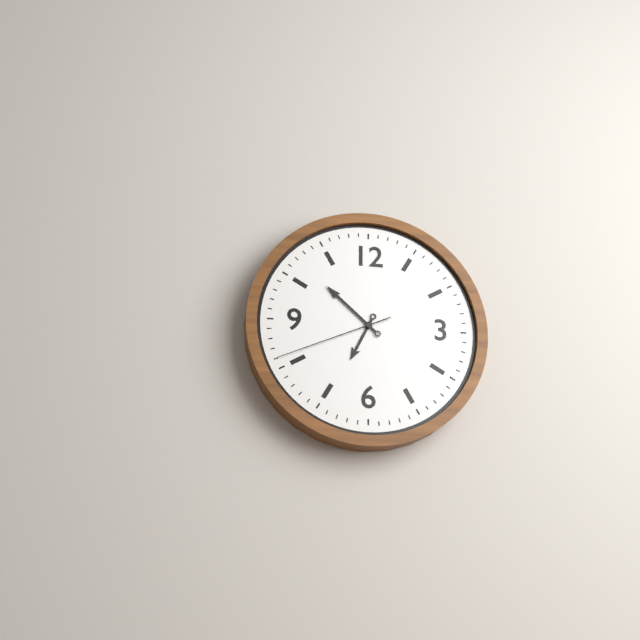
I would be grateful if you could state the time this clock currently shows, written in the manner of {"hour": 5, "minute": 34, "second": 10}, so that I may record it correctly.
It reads {"hour": 6, "minute": 52, "second": 41}
